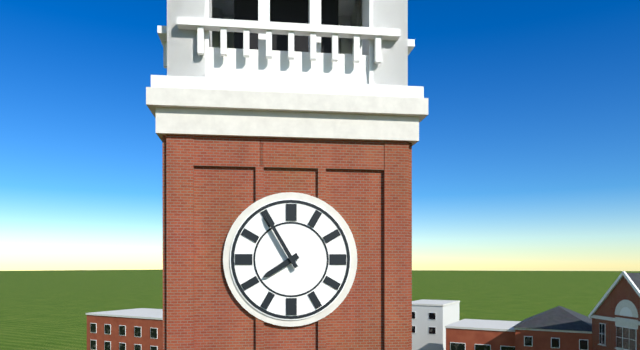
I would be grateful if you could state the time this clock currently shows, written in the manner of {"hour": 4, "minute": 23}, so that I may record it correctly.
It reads {"hour": 7, "minute": 55}
